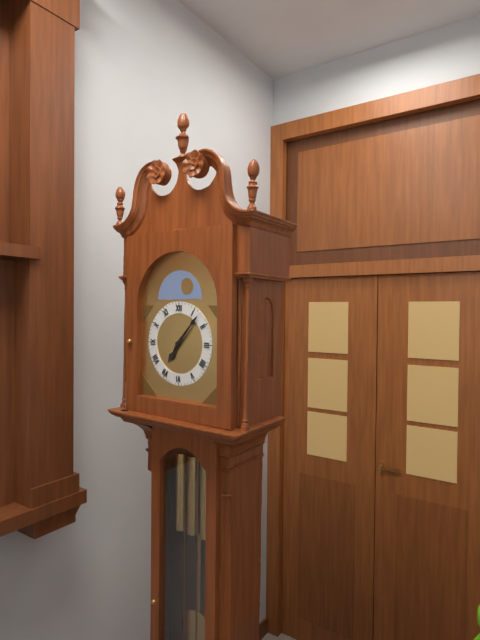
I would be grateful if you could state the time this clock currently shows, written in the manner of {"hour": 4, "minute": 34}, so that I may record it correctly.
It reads {"hour": 7, "minute": 7}
